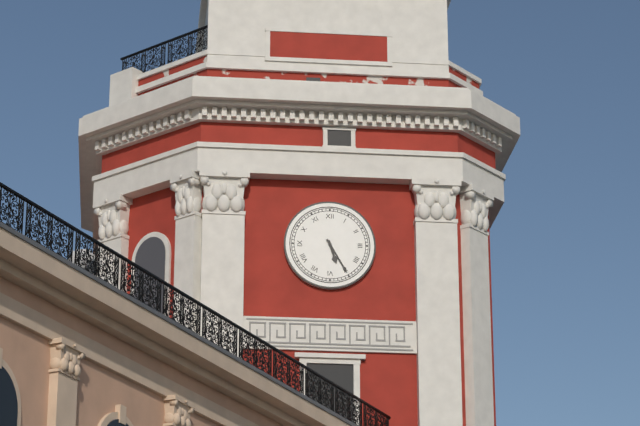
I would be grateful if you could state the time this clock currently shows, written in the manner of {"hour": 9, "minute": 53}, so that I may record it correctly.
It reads {"hour": 5, "minute": 25}
